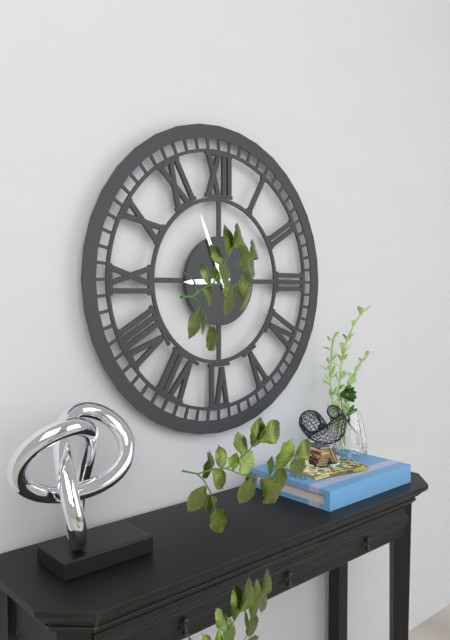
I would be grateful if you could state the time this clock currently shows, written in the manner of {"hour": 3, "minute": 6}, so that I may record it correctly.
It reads {"hour": 8, "minute": 56}
